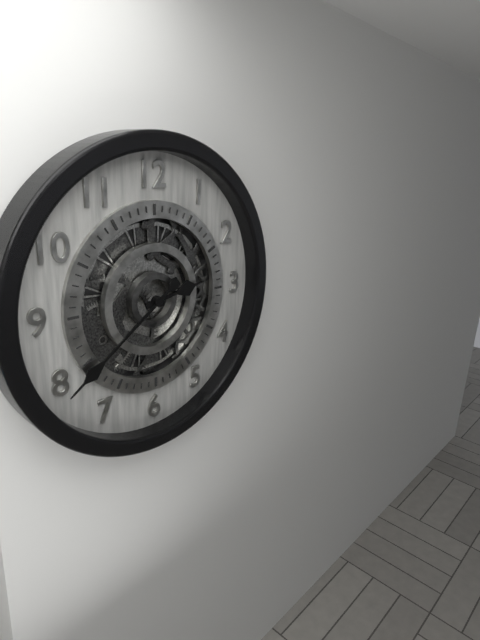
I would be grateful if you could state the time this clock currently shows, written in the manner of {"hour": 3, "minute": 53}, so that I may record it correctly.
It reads {"hour": 2, "minute": 39}
